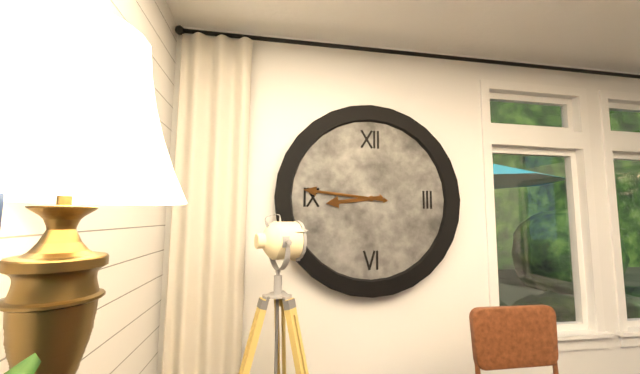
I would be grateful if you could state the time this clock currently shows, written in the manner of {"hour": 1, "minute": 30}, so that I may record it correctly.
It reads {"hour": 8, "minute": 46}
